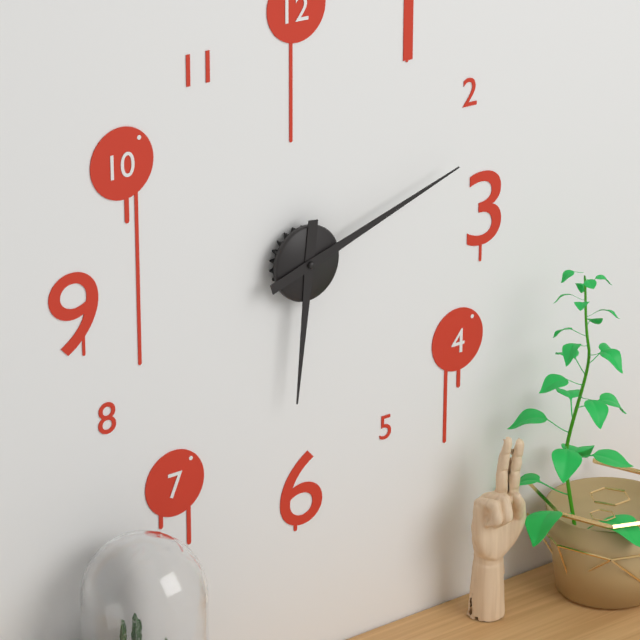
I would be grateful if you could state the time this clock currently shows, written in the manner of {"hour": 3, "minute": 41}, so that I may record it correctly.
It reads {"hour": 6, "minute": 12}
